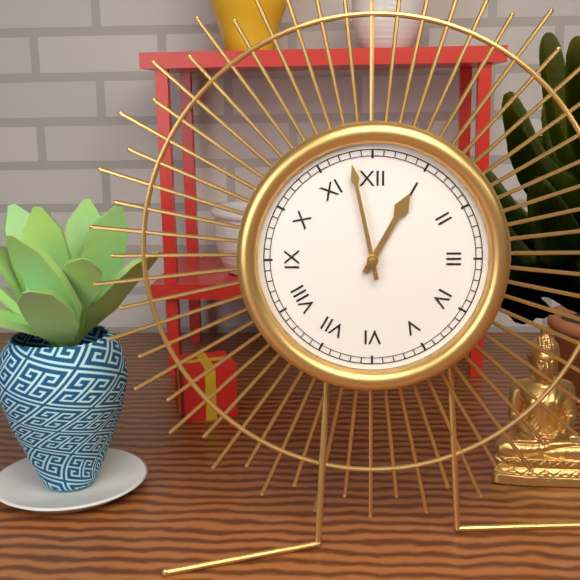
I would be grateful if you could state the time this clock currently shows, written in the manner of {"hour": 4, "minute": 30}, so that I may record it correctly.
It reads {"hour": 12, "minute": 58}
